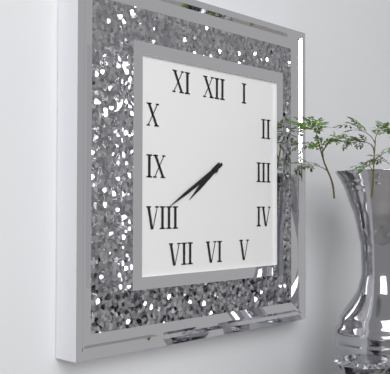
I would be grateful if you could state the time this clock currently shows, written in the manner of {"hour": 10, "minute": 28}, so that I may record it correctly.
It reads {"hour": 7, "minute": 40}
